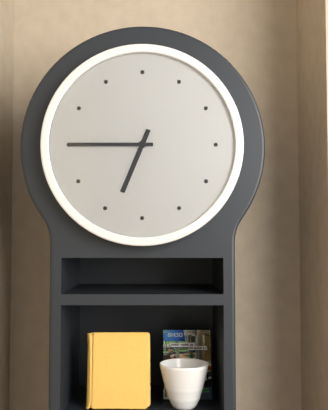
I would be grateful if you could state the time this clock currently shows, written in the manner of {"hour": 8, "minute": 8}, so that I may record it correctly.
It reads {"hour": 6, "minute": 45}
